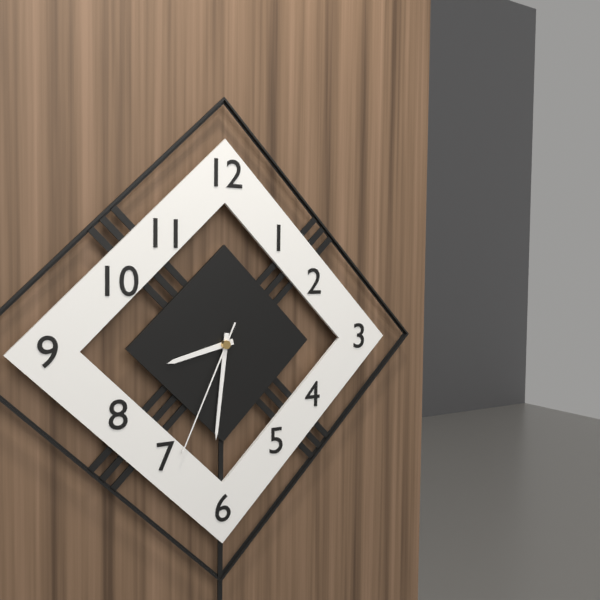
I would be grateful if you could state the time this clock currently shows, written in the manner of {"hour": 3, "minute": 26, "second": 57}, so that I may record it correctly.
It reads {"hour": 8, "minute": 31, "second": 34}
